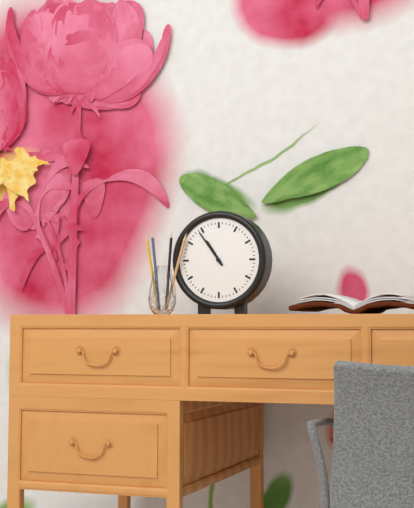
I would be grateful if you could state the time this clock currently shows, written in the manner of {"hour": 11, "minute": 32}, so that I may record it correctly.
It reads {"hour": 10, "minute": 54}
